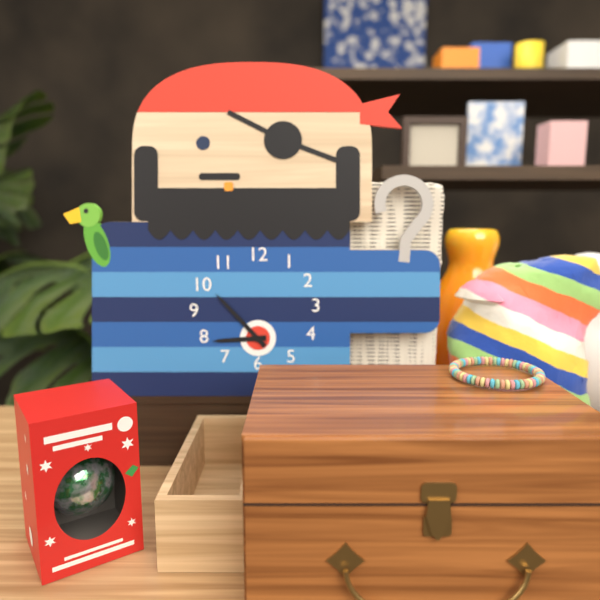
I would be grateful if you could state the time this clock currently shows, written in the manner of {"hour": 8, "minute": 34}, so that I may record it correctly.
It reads {"hour": 8, "minute": 53}
